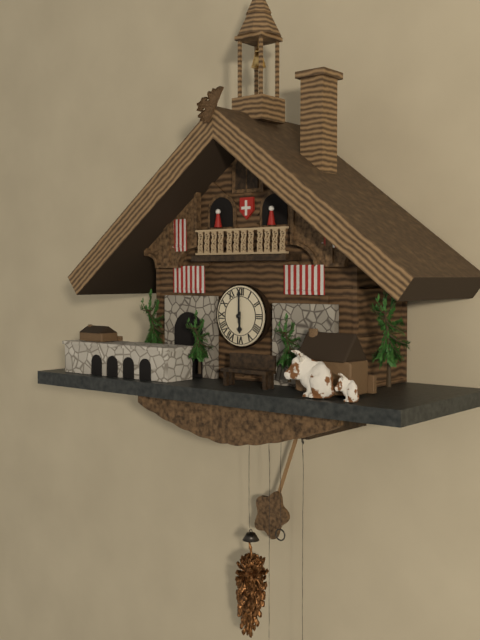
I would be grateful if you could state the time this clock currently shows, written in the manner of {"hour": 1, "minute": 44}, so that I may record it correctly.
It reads {"hour": 6, "minute": 0}
